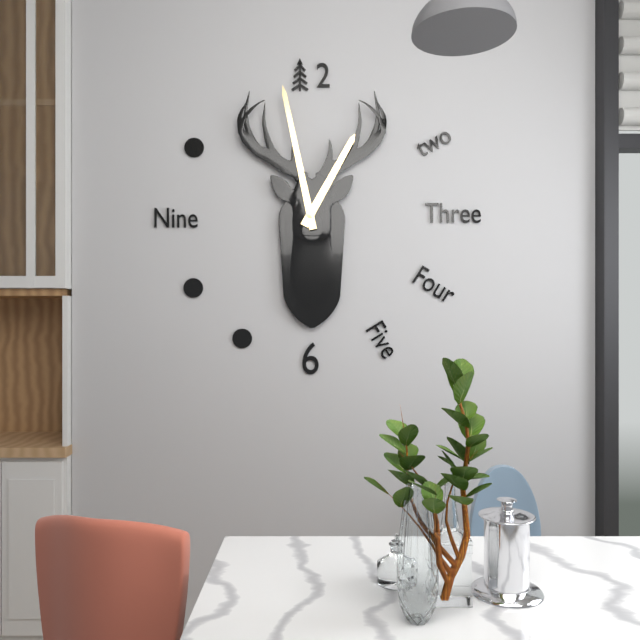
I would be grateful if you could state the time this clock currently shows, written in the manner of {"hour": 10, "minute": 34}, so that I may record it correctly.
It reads {"hour": 12, "minute": 58}
